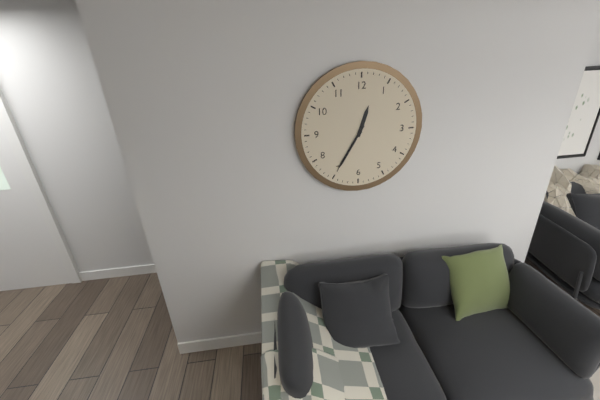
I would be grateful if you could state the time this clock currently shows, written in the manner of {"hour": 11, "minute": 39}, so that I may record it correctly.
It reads {"hour": 12, "minute": 35}
